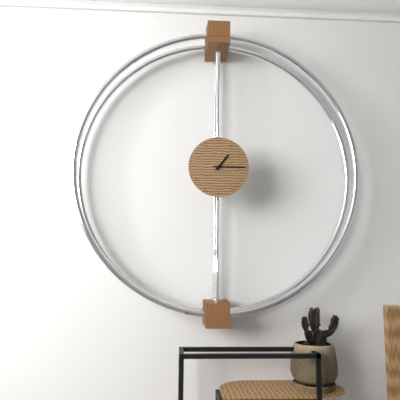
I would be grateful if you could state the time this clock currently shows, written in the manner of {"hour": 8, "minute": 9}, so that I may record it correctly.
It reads {"hour": 1, "minute": 15}
